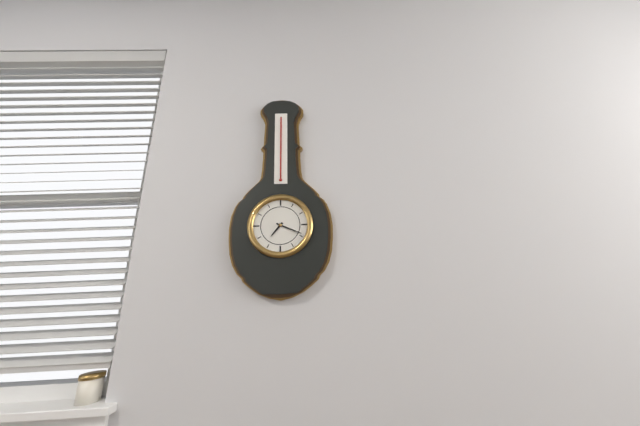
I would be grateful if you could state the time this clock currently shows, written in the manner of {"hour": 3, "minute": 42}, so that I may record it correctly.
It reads {"hour": 7, "minute": 19}
